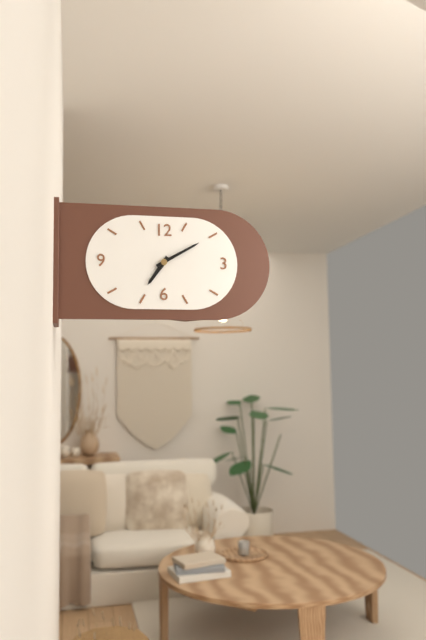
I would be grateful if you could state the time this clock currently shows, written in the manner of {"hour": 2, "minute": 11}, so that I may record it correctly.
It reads {"hour": 7, "minute": 10}
